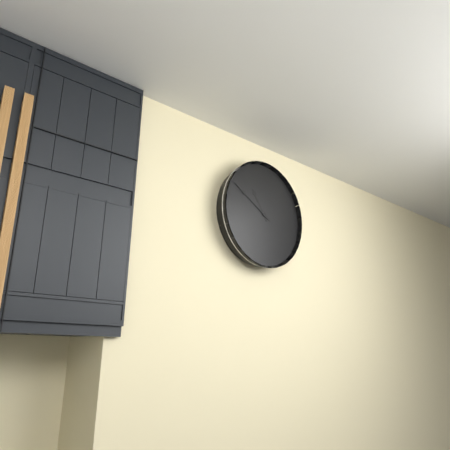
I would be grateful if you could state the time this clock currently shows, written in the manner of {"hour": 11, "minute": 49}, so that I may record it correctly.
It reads {"hour": 10, "minute": 50}
